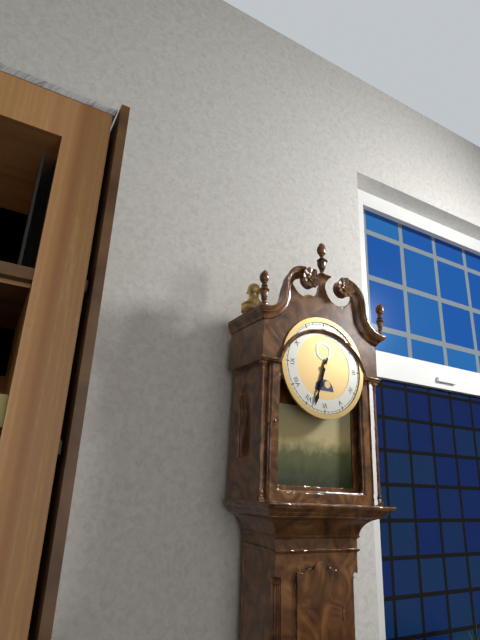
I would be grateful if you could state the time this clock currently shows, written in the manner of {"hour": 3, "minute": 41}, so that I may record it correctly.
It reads {"hour": 6, "minute": 33}
